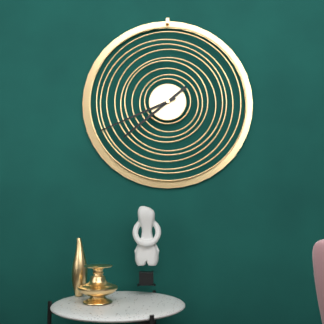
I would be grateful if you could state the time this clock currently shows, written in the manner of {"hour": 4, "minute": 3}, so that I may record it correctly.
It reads {"hour": 7, "minute": 41}
